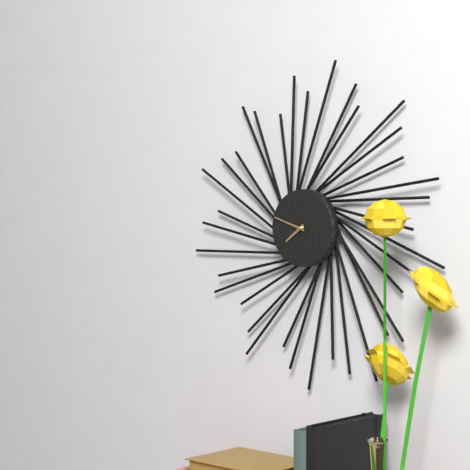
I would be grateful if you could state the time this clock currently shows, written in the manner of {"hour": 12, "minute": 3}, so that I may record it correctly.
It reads {"hour": 7, "minute": 48}
